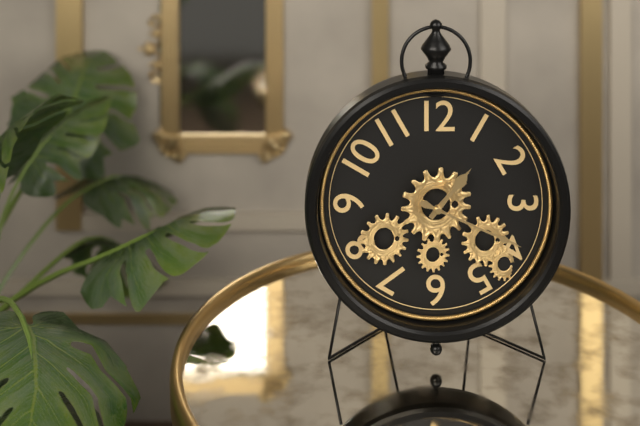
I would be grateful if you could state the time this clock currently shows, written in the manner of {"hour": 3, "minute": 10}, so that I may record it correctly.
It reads {"hour": 1, "minute": 19}
